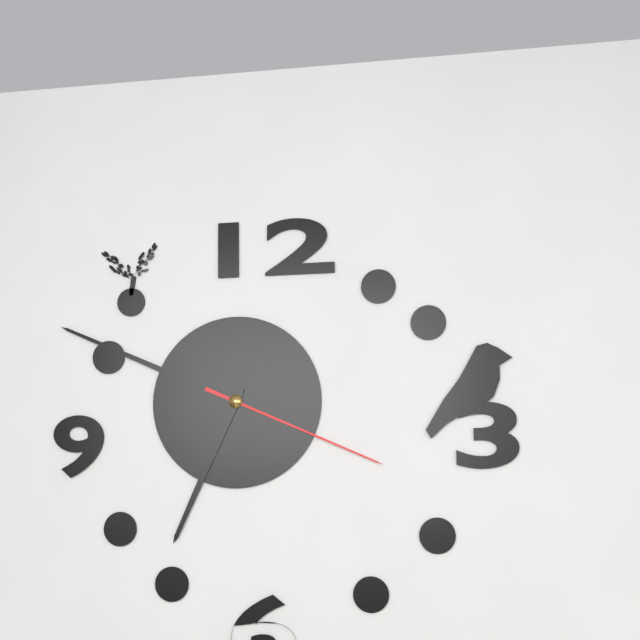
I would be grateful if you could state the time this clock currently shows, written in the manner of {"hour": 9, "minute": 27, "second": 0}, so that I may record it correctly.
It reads {"hour": 6, "minute": 49, "second": 19}
